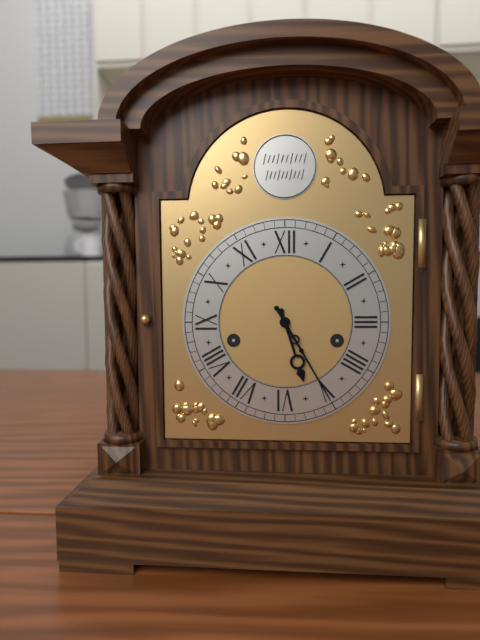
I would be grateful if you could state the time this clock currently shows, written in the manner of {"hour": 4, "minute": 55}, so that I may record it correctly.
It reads {"hour": 5, "minute": 25}
